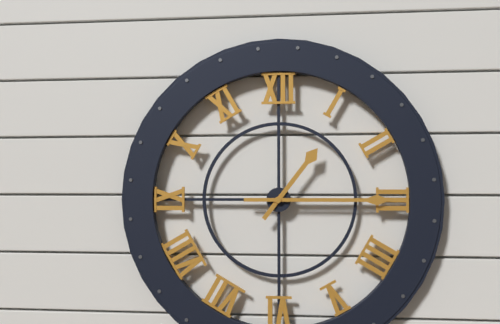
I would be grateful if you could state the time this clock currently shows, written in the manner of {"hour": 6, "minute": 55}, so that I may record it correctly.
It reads {"hour": 1, "minute": 15}
